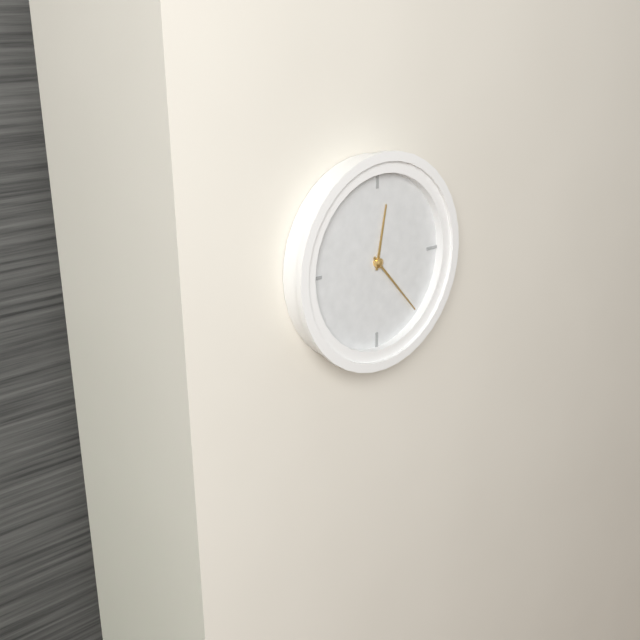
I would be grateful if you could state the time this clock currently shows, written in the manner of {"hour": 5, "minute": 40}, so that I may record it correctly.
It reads {"hour": 12, "minute": 23}
